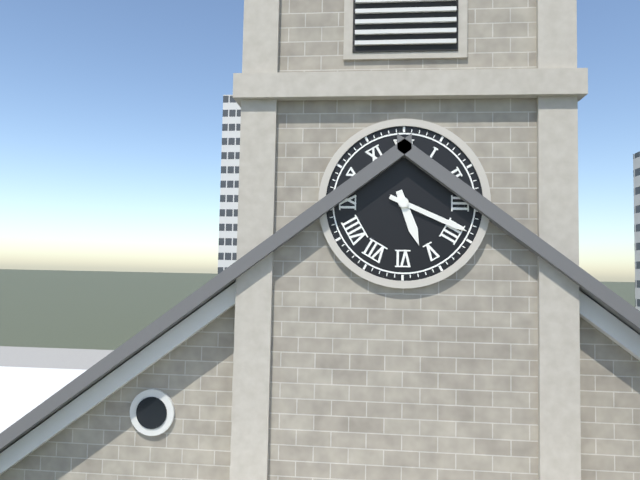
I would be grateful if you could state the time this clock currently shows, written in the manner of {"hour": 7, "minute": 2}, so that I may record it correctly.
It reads {"hour": 5, "minute": 19}
